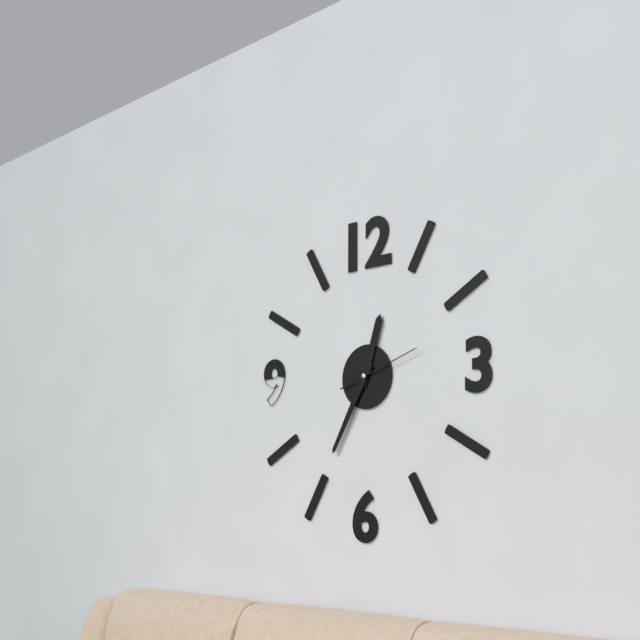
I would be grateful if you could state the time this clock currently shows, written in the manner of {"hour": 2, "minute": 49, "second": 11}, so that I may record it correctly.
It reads {"hour": 12, "minute": 35, "second": 12}
